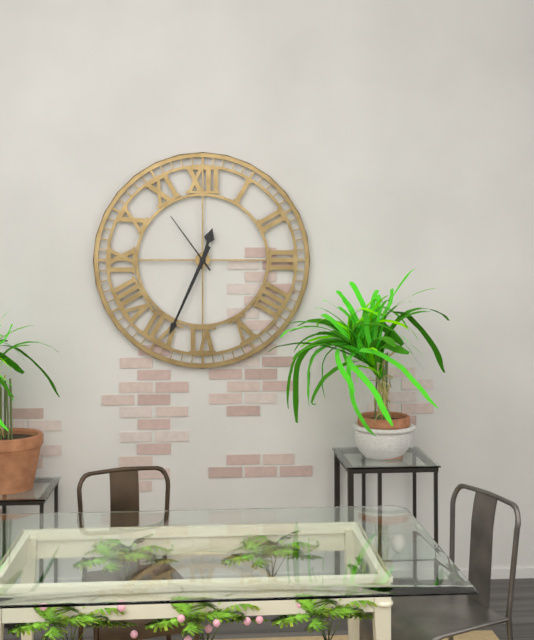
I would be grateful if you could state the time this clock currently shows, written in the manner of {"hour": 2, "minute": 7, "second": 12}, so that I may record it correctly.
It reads {"hour": 12, "minute": 34, "second": 54}
